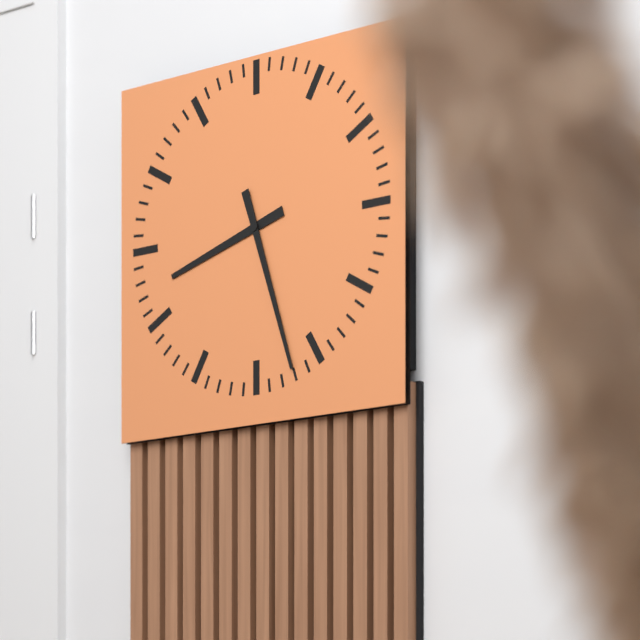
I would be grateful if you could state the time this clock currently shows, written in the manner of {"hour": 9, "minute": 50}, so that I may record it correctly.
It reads {"hour": 8, "minute": 27}
